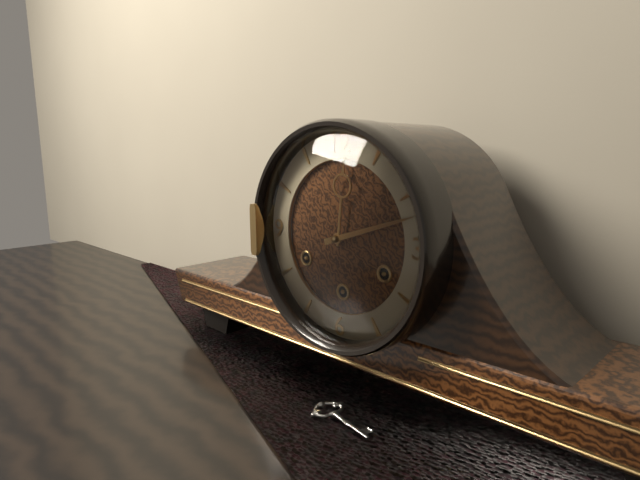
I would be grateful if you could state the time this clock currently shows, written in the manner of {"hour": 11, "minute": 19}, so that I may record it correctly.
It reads {"hour": 12, "minute": 12}
